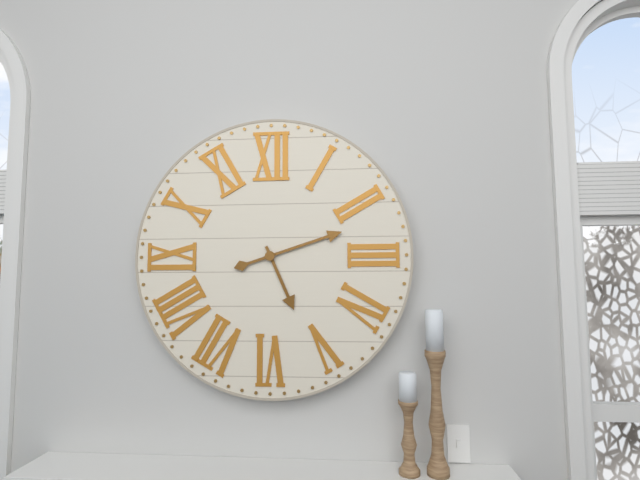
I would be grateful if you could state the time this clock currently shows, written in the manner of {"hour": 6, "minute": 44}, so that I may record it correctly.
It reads {"hour": 5, "minute": 12}
